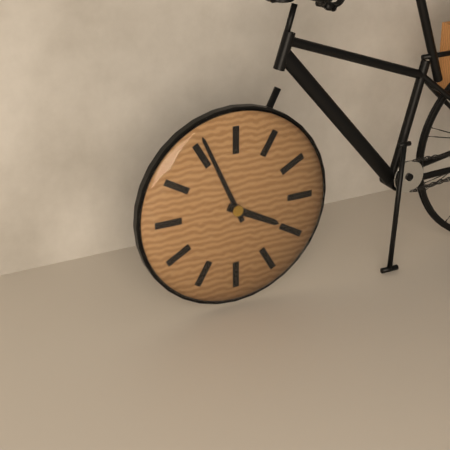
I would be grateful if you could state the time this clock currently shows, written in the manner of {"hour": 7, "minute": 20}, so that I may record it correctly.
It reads {"hour": 3, "minute": 56}
